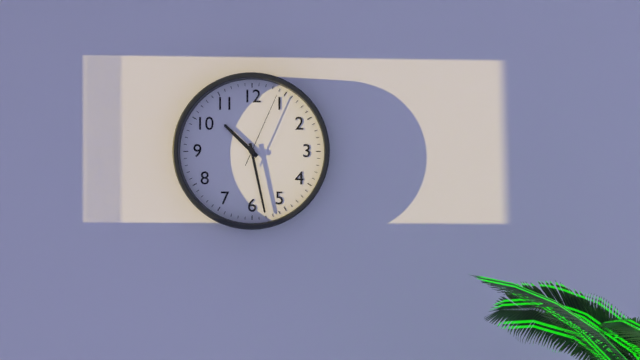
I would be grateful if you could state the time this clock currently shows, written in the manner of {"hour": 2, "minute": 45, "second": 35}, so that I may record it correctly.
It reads {"hour": 10, "minute": 28, "second": 4}
